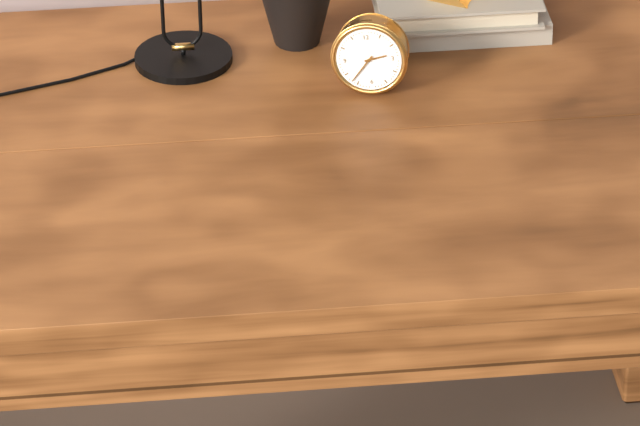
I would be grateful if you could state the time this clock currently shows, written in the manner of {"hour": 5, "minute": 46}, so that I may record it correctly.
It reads {"hour": 2, "minute": 37}
